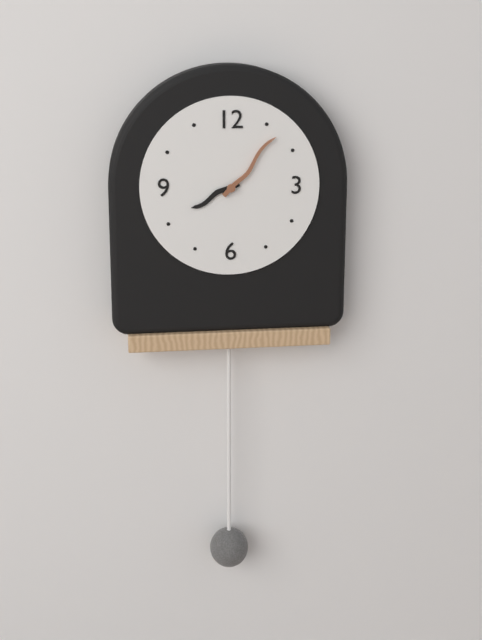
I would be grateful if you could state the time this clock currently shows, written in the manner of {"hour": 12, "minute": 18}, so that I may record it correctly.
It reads {"hour": 8, "minute": 7}
